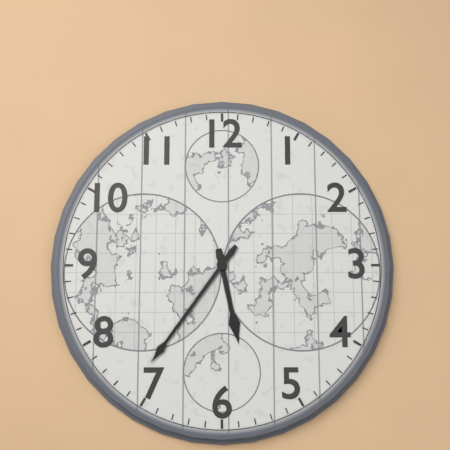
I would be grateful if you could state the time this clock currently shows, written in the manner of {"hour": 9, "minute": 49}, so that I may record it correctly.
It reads {"hour": 5, "minute": 36}
